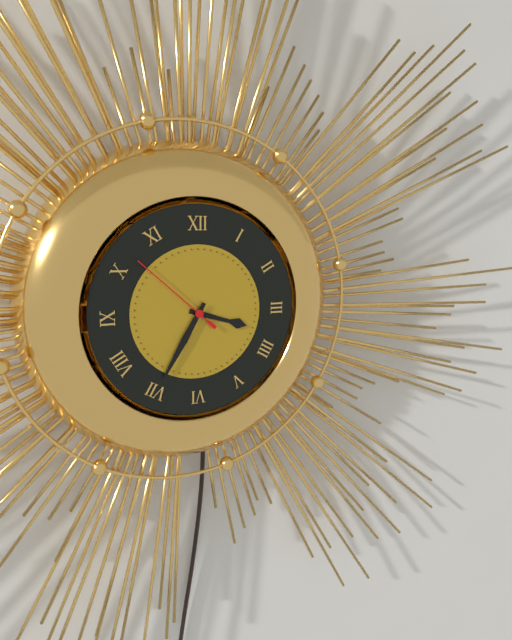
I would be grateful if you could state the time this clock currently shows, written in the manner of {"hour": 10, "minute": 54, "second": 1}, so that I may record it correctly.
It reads {"hour": 3, "minute": 35, "second": 52}
